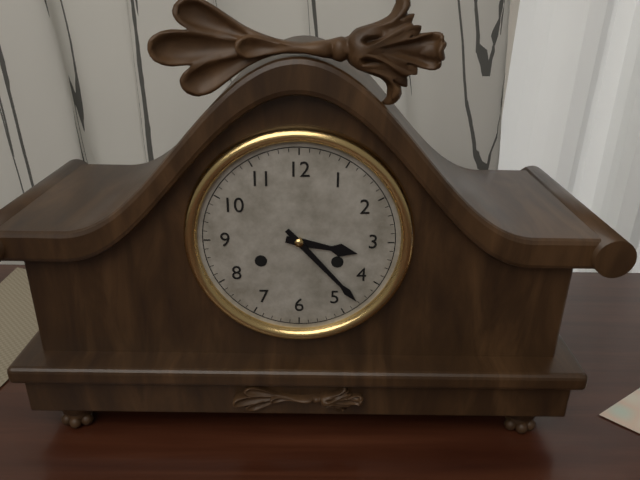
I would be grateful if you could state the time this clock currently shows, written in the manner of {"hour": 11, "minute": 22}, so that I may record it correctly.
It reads {"hour": 3, "minute": 23}
